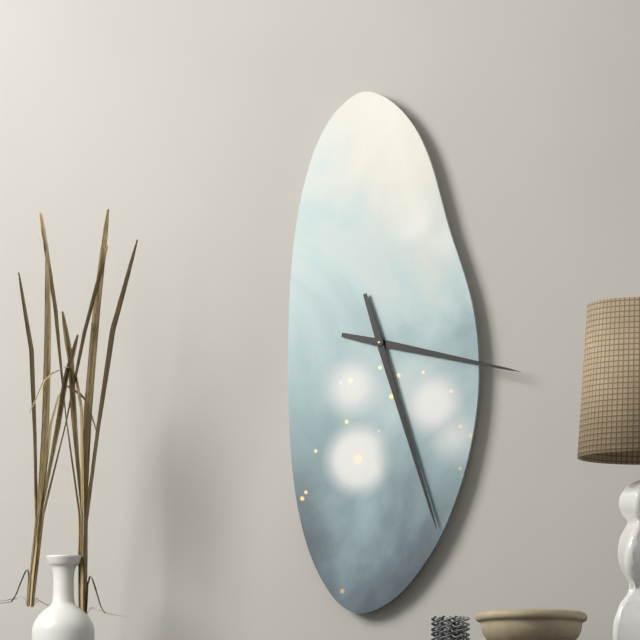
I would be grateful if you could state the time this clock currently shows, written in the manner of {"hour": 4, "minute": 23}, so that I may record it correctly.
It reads {"hour": 3, "minute": 27}
